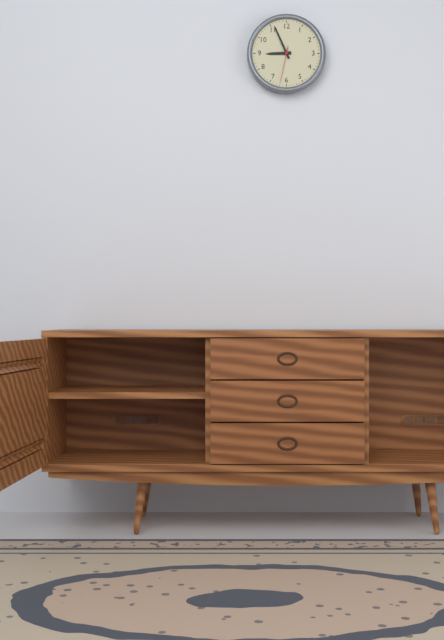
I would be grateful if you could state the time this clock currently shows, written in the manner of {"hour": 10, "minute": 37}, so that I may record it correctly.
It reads {"hour": 8, "minute": 56}
